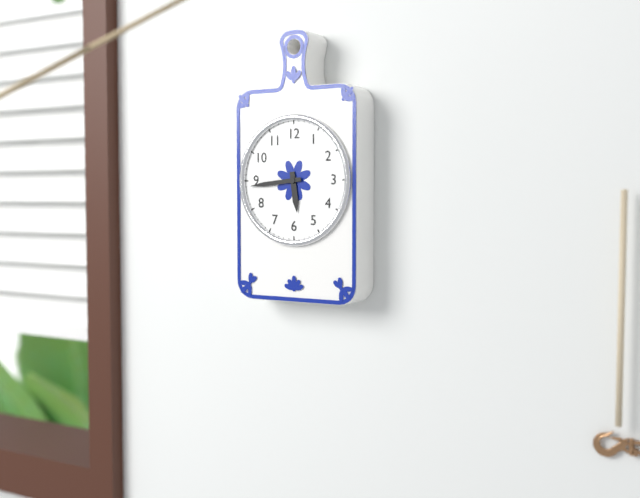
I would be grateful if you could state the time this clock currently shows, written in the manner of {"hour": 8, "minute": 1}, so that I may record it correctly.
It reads {"hour": 5, "minute": 44}
